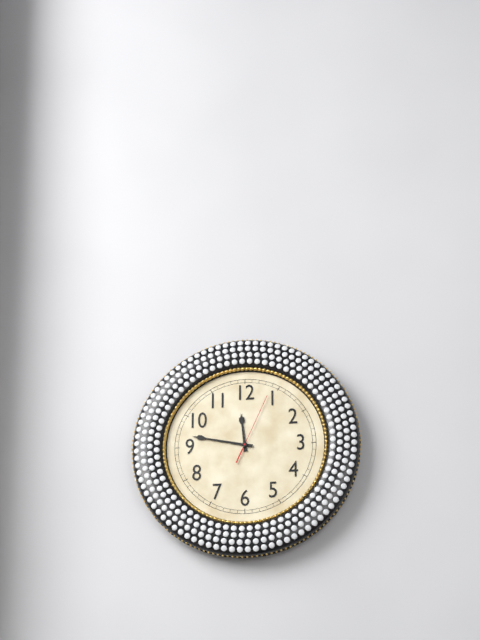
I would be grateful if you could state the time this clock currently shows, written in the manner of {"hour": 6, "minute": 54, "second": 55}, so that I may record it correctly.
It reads {"hour": 11, "minute": 47, "second": 4}
